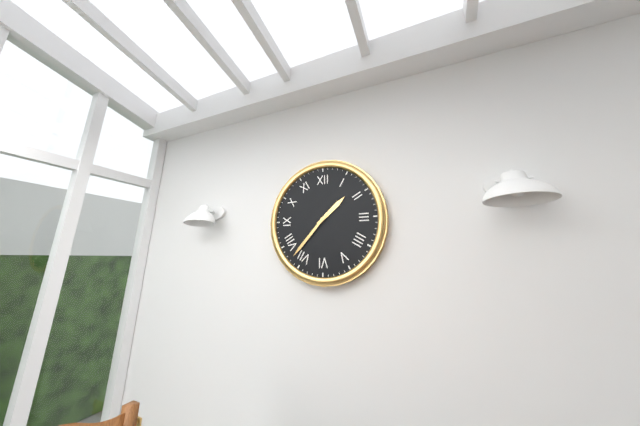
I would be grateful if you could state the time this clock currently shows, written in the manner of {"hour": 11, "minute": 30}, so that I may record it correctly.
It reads {"hour": 1, "minute": 37}
